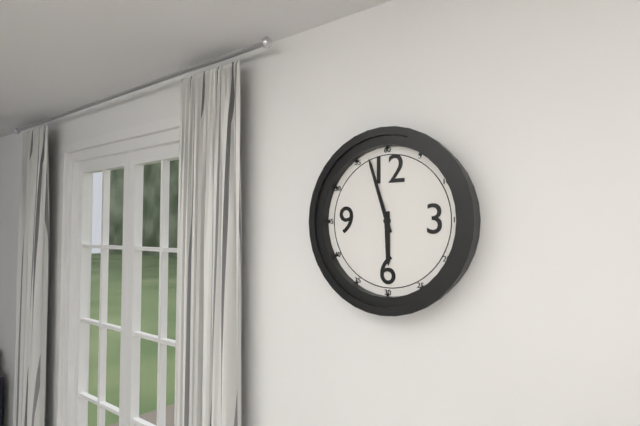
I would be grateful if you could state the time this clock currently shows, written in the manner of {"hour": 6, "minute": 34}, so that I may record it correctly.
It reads {"hour": 5, "minute": 57}
